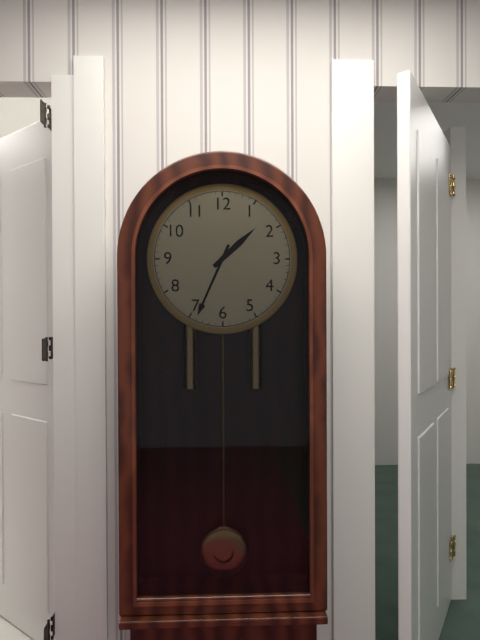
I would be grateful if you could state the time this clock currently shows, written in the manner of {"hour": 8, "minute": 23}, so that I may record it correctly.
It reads {"hour": 1, "minute": 34}
